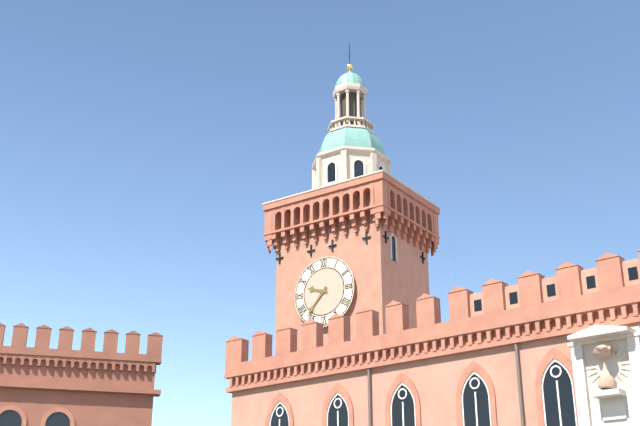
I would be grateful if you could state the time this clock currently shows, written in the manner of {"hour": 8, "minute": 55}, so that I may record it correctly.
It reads {"hour": 9, "minute": 37}
